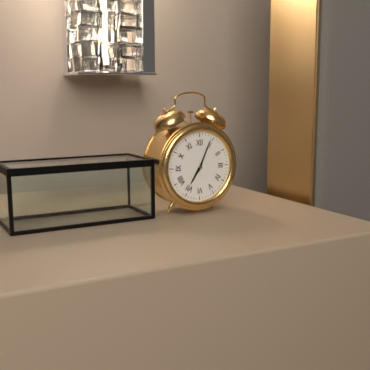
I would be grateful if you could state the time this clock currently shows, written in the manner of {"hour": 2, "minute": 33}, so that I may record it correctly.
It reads {"hour": 7, "minute": 4}
